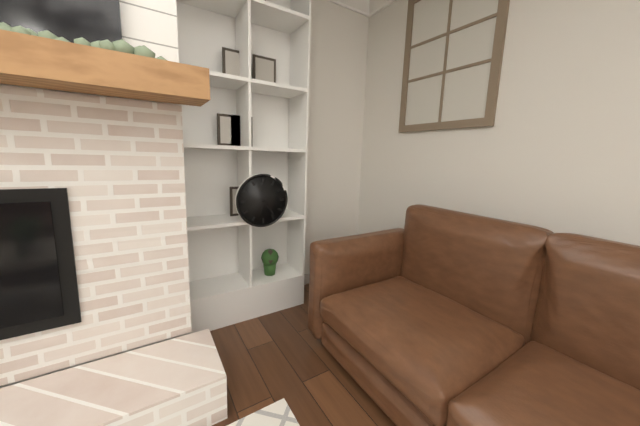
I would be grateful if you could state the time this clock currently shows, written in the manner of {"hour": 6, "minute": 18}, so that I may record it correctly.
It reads {"hour": 6, "minute": 24}
